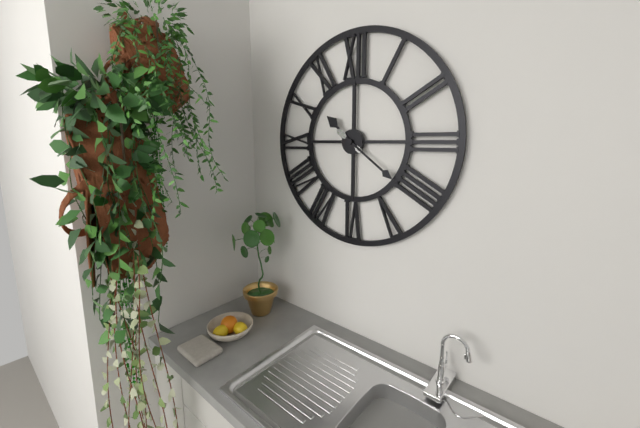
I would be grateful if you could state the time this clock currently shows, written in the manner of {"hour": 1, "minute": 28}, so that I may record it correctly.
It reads {"hour": 10, "minute": 21}
